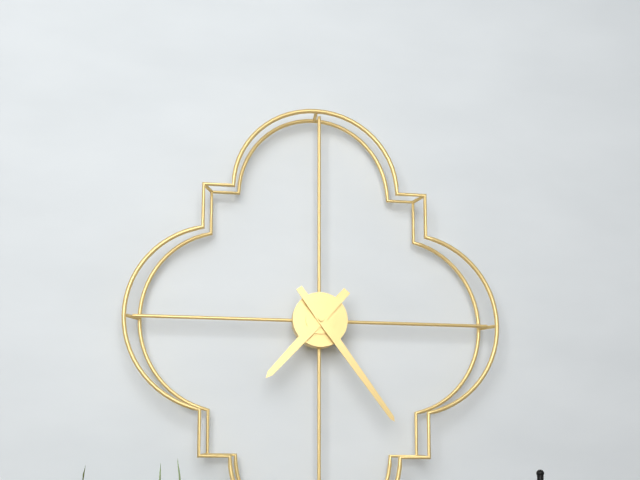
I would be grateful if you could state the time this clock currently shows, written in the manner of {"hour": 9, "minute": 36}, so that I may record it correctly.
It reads {"hour": 7, "minute": 24}
